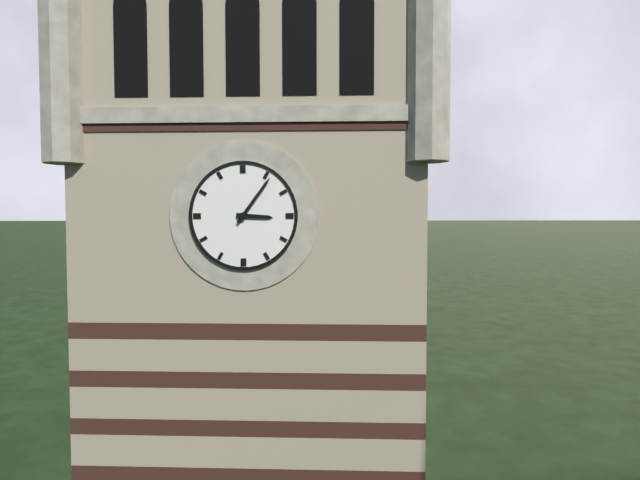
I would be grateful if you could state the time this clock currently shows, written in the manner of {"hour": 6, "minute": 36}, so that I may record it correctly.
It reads {"hour": 3, "minute": 6}
